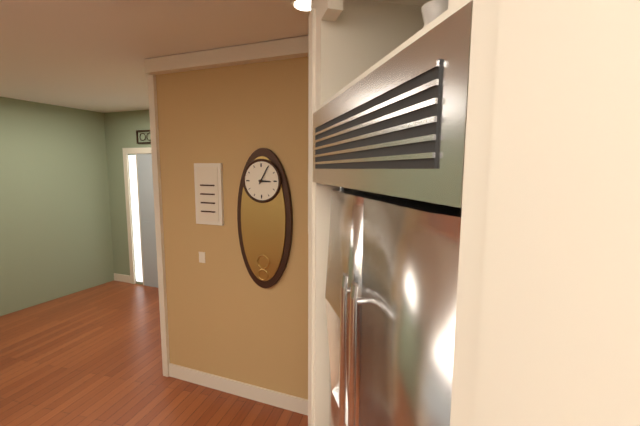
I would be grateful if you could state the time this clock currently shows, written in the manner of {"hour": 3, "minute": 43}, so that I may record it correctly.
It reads {"hour": 3, "minute": 5}
